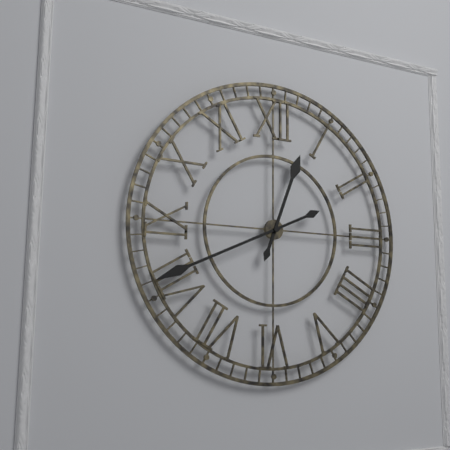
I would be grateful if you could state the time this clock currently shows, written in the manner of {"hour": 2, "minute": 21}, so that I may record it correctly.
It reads {"hour": 12, "minute": 41}
